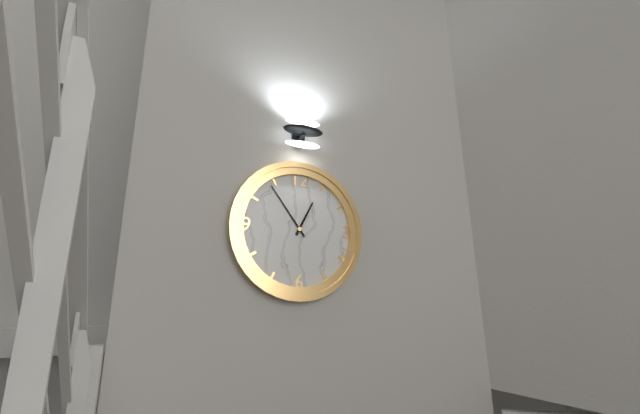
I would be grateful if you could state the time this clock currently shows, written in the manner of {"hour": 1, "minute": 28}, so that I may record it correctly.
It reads {"hour": 12, "minute": 54}
